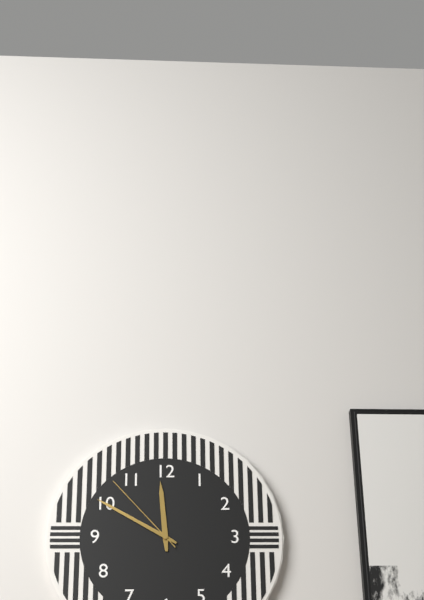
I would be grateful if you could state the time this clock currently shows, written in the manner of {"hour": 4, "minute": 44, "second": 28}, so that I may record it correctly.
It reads {"hour": 11, "minute": 50, "second": 53}
